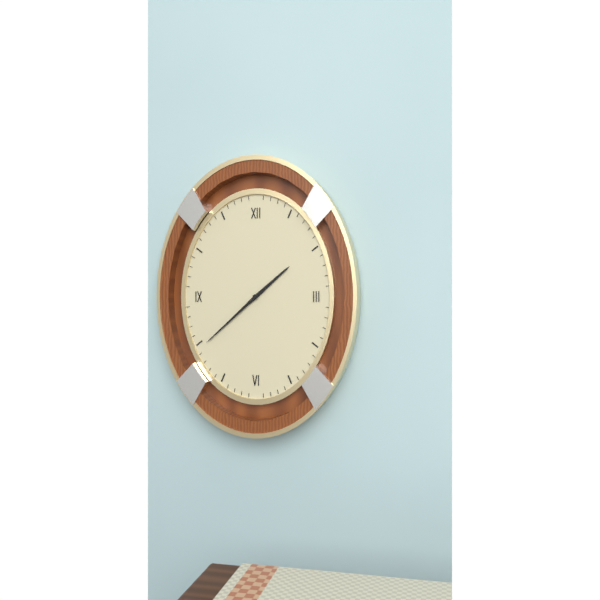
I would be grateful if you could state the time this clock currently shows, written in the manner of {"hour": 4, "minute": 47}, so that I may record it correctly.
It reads {"hour": 1, "minute": 38}
